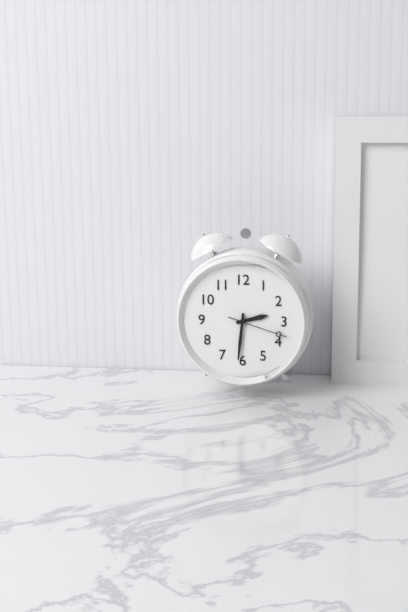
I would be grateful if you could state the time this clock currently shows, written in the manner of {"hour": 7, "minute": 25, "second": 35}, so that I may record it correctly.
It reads {"hour": 2, "minute": 31, "second": 18}
